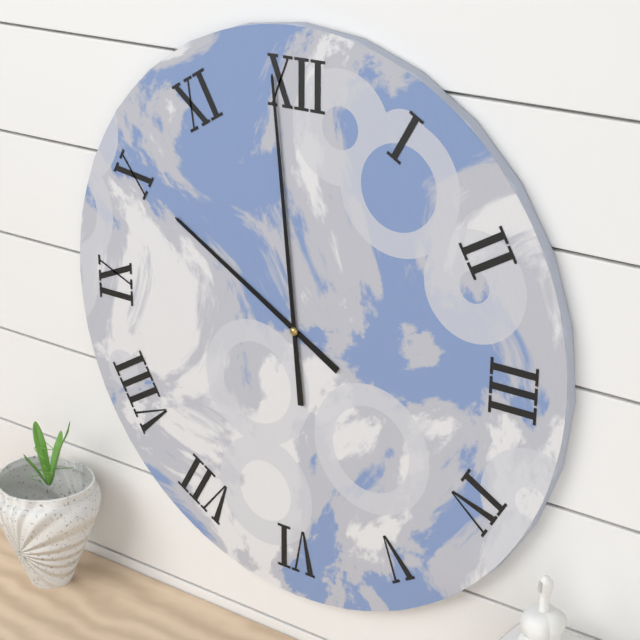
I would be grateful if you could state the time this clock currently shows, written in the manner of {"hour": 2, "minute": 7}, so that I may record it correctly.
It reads {"hour": 9, "minute": 59}
